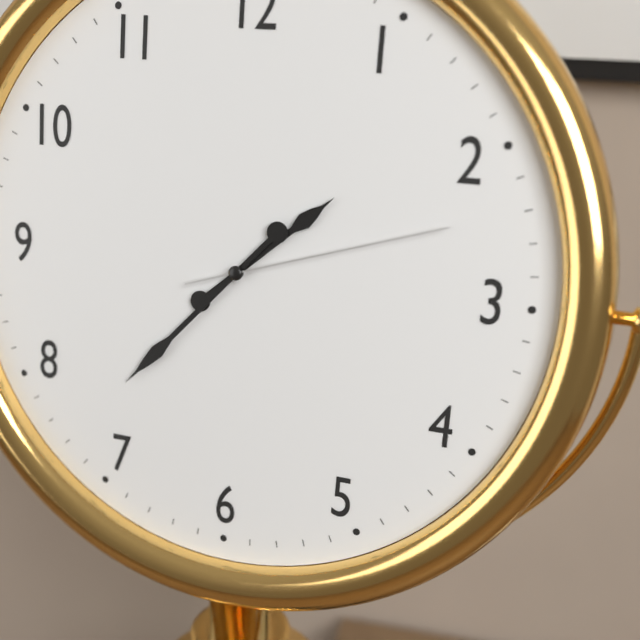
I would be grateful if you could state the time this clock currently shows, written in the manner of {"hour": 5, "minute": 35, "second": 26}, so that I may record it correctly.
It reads {"hour": 1, "minute": 37, "second": 12}
